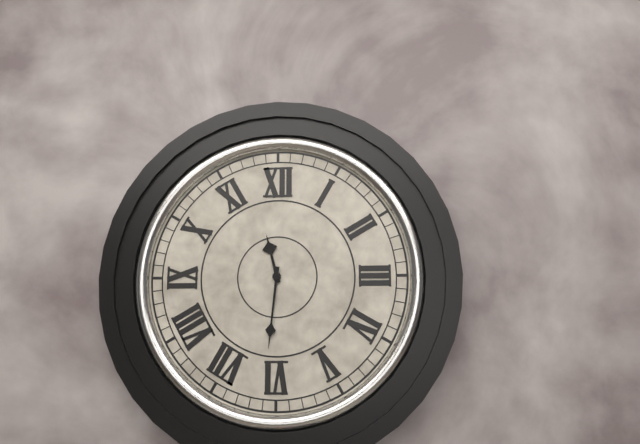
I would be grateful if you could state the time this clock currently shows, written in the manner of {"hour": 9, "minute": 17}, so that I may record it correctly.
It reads {"hour": 11, "minute": 31}
